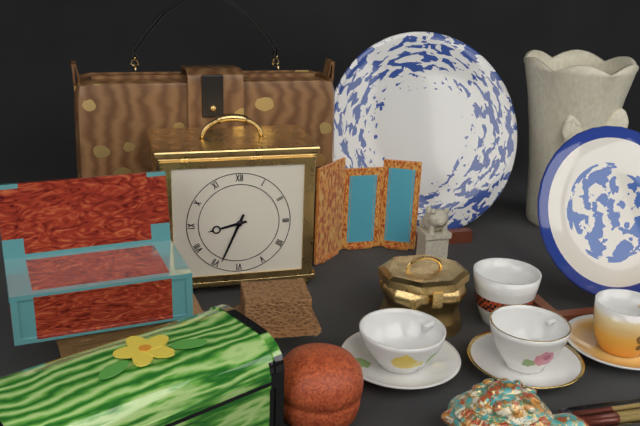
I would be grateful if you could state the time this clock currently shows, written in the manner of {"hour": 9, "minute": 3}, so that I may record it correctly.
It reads {"hour": 8, "minute": 34}
